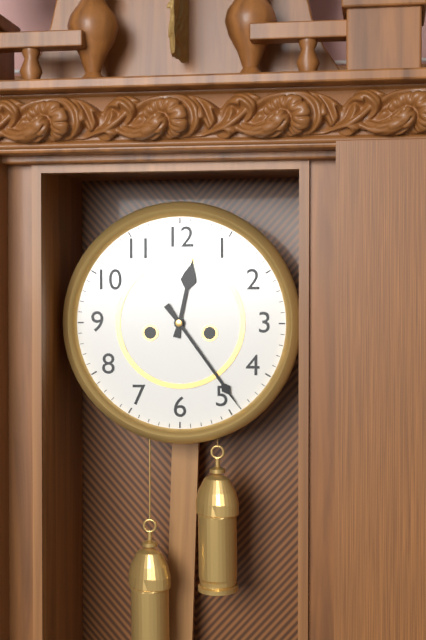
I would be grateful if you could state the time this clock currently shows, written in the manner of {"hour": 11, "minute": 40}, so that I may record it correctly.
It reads {"hour": 12, "minute": 24}
